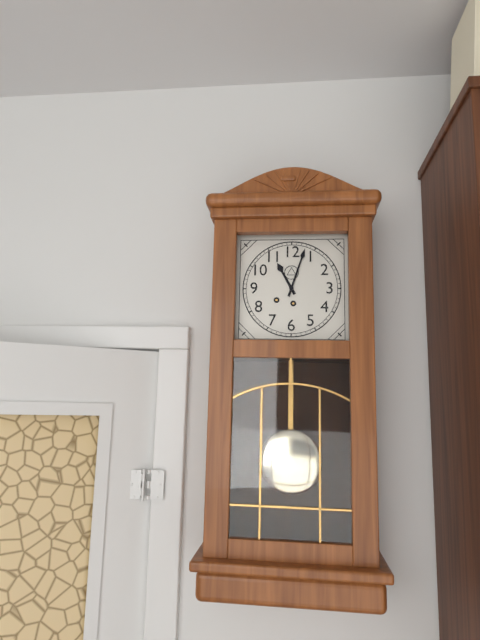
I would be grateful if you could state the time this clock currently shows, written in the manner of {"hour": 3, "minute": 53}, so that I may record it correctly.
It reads {"hour": 11, "minute": 3}
